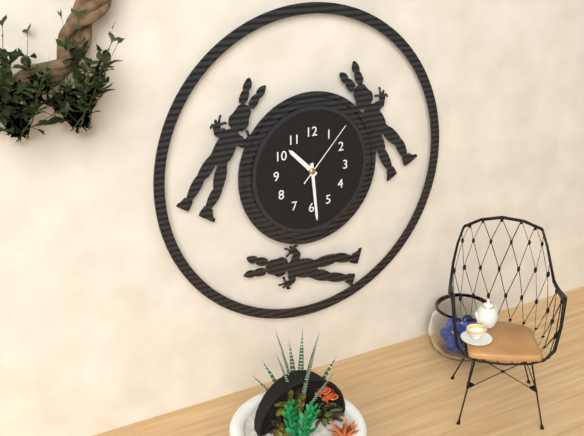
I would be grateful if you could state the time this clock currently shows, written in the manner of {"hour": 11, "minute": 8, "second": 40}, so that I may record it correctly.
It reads {"hour": 10, "minute": 29, "second": 7}
